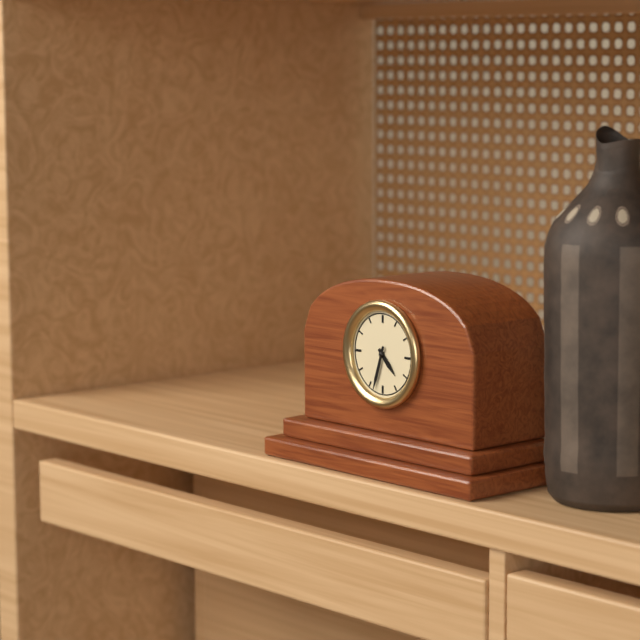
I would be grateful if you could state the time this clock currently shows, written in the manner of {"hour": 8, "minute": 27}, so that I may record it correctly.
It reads {"hour": 4, "minute": 33}
